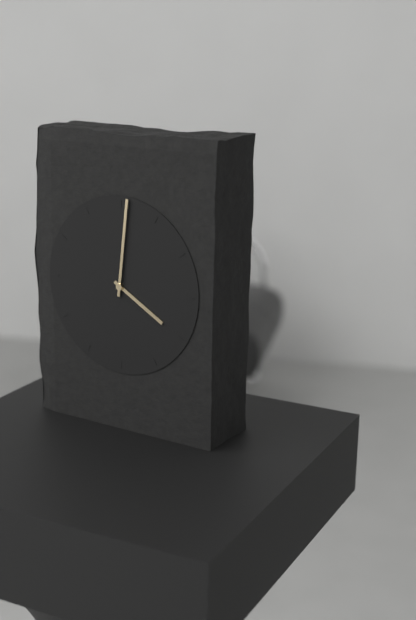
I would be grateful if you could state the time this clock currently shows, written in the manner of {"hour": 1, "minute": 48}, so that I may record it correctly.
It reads {"hour": 4, "minute": 1}
